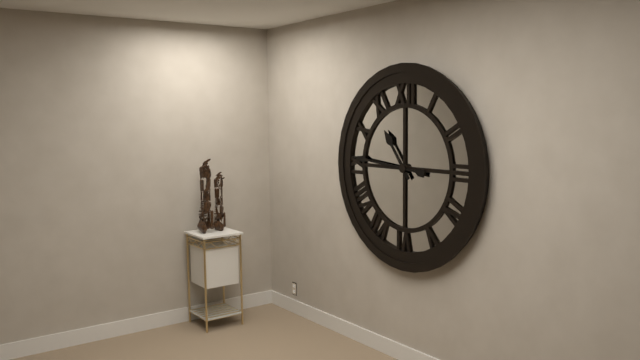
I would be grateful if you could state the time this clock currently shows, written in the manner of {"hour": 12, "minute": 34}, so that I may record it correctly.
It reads {"hour": 10, "minute": 46}
